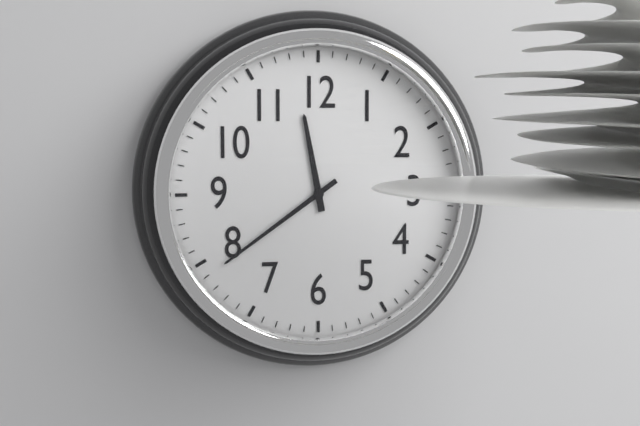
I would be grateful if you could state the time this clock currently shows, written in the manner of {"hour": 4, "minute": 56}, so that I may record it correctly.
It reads {"hour": 11, "minute": 39}
